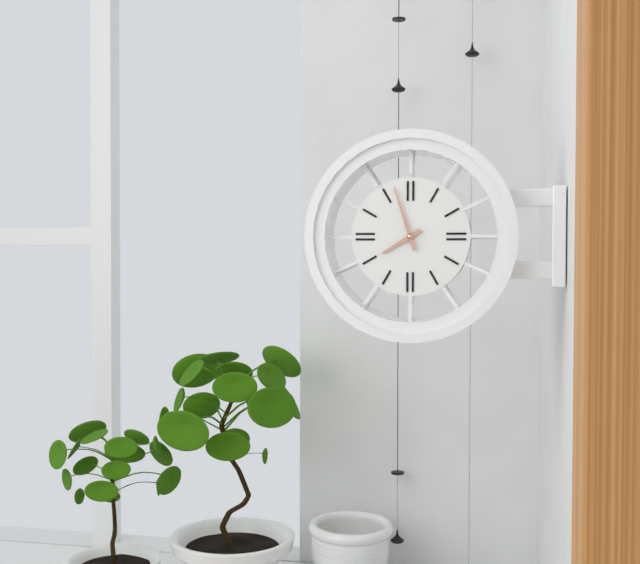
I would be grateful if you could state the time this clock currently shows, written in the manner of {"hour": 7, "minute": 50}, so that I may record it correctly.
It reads {"hour": 7, "minute": 57}
